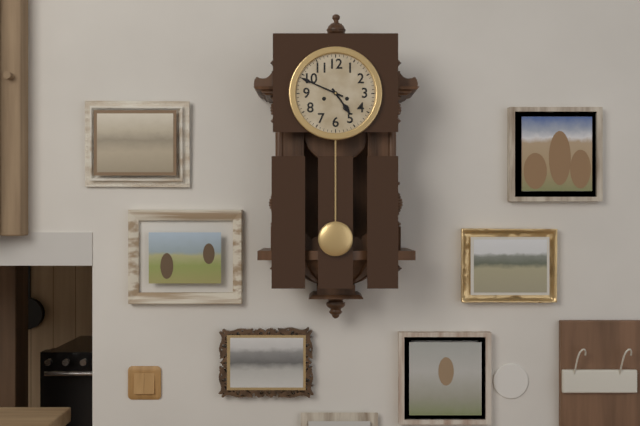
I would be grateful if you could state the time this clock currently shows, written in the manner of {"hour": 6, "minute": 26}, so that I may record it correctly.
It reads {"hour": 4, "minute": 49}
